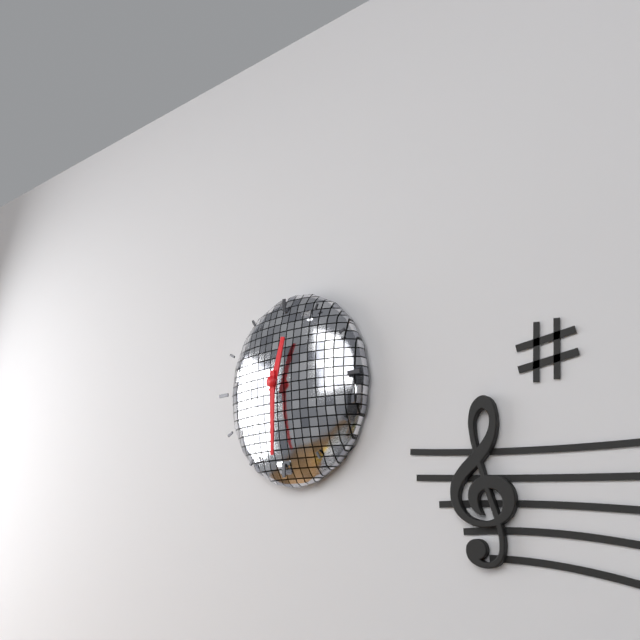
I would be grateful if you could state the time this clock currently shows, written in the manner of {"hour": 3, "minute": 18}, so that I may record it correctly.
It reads {"hour": 12, "minute": 30}
